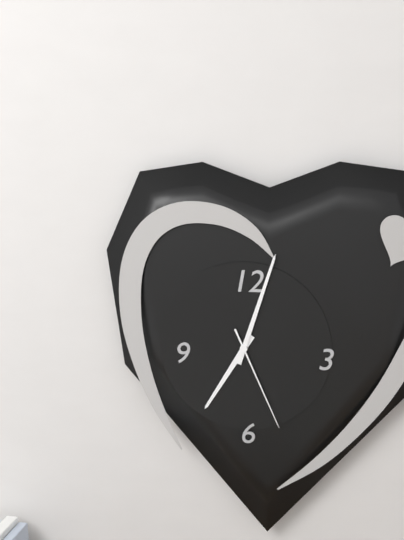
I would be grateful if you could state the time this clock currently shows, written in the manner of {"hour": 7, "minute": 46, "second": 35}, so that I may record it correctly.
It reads {"hour": 7, "minute": 3, "second": 26}
